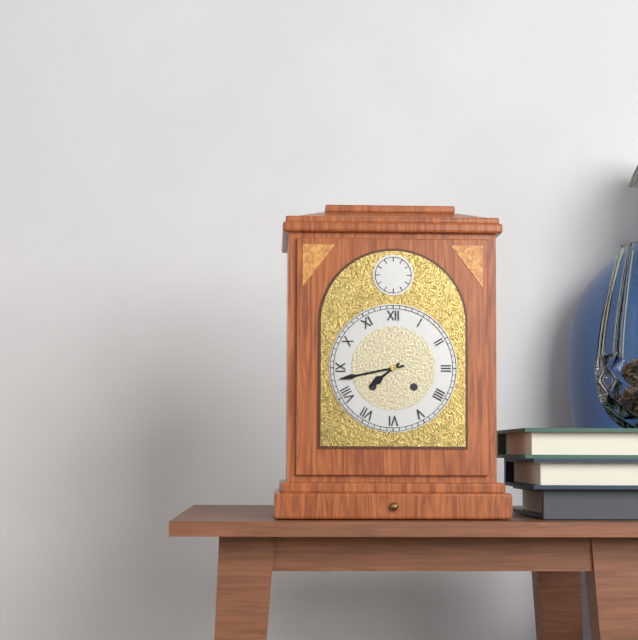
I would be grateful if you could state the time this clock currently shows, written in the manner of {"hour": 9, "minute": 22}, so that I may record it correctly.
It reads {"hour": 7, "minute": 43}
